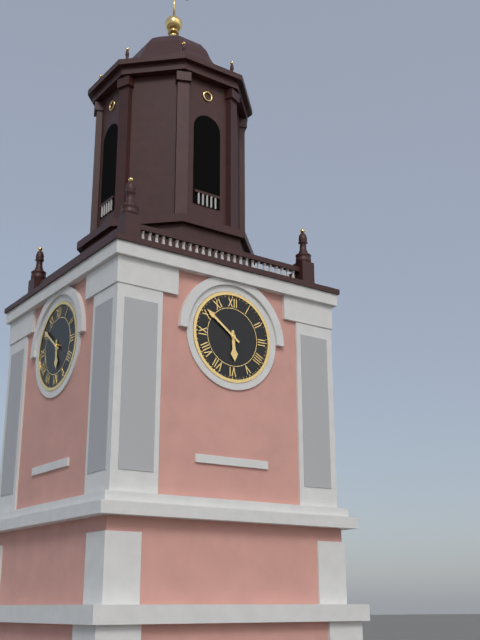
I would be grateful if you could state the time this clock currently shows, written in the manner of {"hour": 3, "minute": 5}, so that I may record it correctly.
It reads {"hour": 5, "minute": 51}
